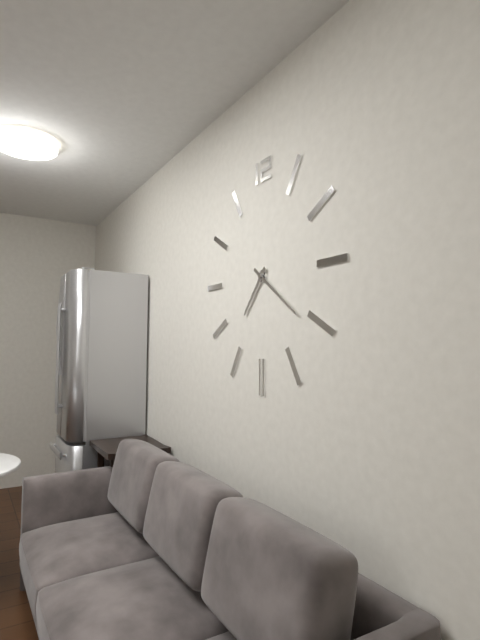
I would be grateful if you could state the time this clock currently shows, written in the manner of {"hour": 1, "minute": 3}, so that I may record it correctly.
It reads {"hour": 7, "minute": 21}
